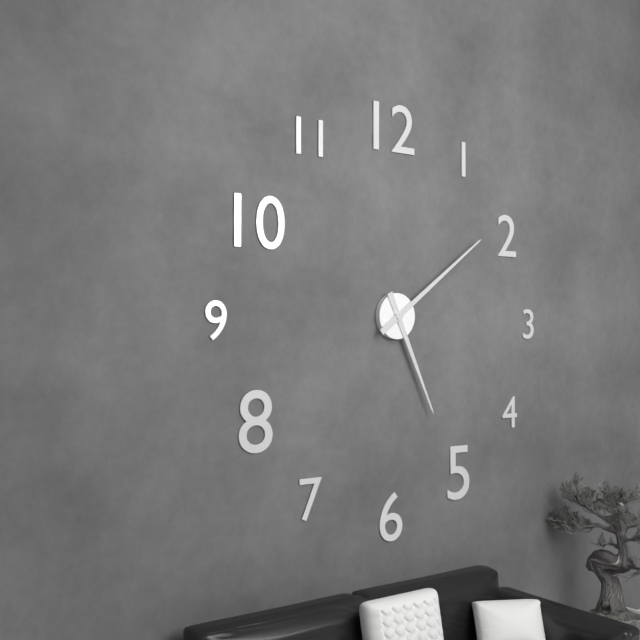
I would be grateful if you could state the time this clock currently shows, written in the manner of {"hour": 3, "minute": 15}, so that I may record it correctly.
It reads {"hour": 5, "minute": 9}
